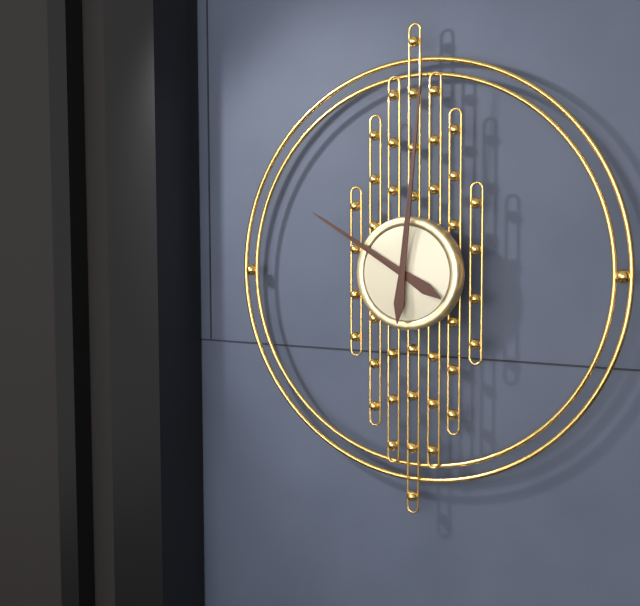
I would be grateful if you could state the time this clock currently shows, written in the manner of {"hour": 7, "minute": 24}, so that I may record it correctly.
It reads {"hour": 10, "minute": 1}
